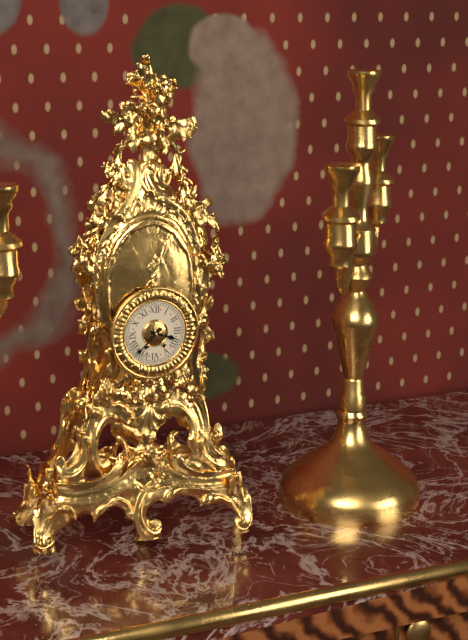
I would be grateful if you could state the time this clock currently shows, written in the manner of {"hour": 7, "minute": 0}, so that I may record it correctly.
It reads {"hour": 3, "minute": 38}
